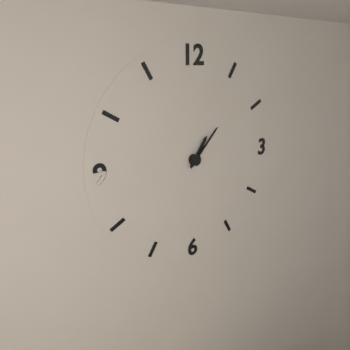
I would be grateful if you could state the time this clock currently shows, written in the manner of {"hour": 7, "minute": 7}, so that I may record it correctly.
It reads {"hour": 1, "minute": 7}
